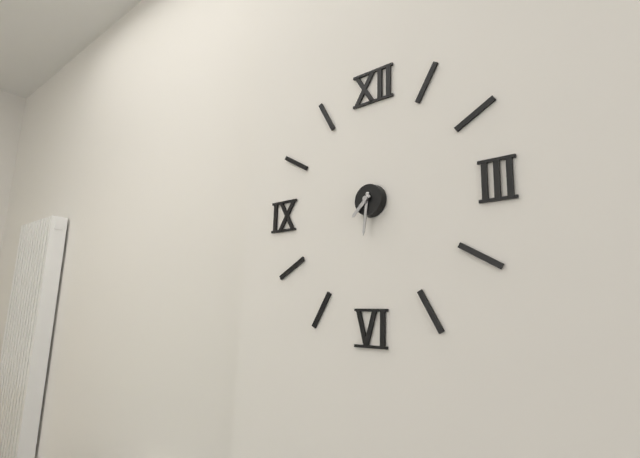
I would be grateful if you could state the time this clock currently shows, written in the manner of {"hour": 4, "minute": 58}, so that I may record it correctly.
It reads {"hour": 7, "minute": 31}
